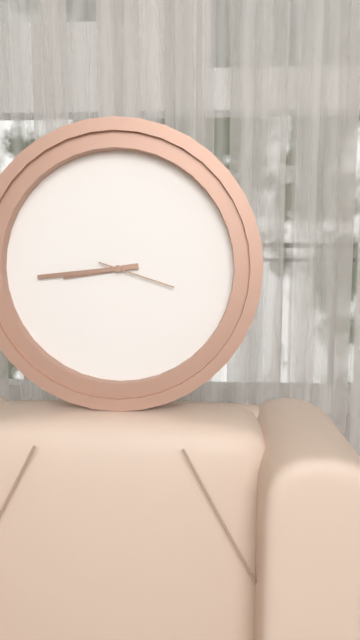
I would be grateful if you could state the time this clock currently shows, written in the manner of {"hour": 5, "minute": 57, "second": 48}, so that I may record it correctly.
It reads {"hour": 8, "minute": 44, "second": 18}
